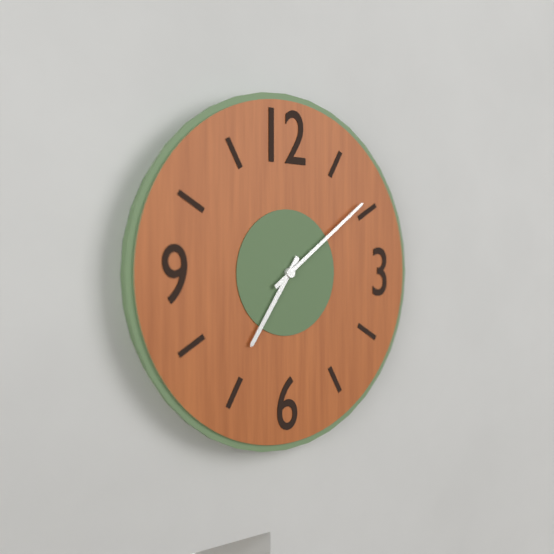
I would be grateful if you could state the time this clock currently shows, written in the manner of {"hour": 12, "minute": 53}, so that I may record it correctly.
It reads {"hour": 7, "minute": 9}
